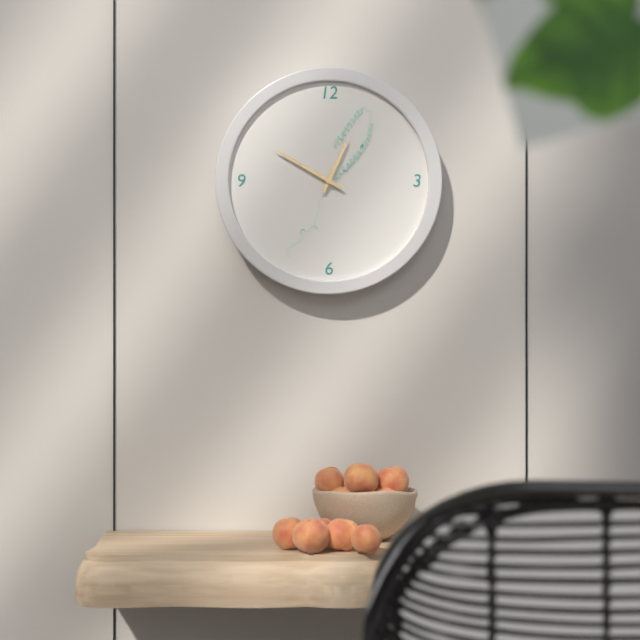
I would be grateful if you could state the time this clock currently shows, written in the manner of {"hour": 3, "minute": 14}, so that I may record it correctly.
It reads {"hour": 12, "minute": 50}
